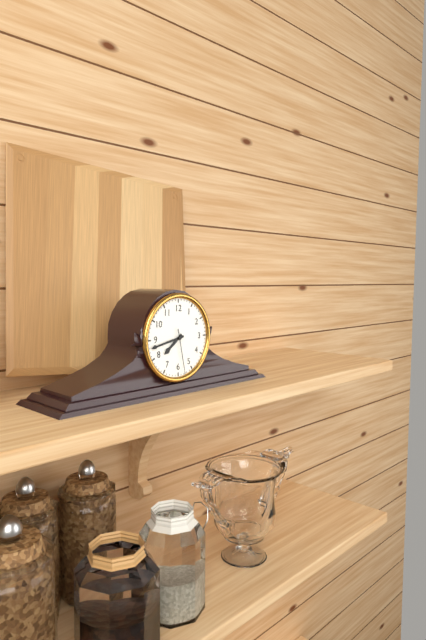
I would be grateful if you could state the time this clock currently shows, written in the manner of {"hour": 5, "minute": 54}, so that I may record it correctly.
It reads {"hour": 7, "minute": 43}
